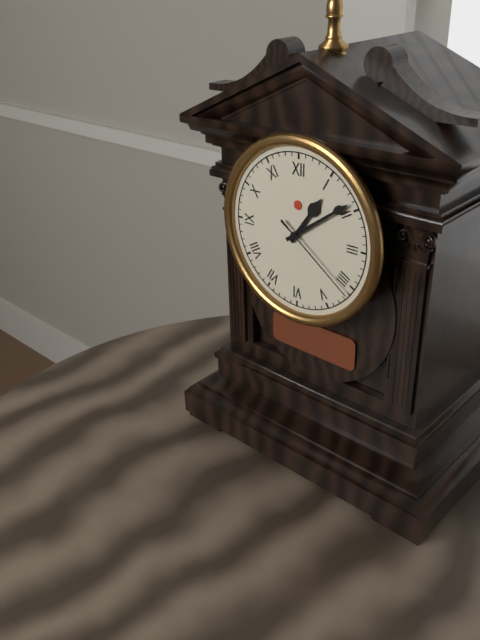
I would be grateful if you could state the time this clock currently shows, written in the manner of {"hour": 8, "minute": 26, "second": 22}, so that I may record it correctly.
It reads {"hour": 1, "minute": 9, "second": 21}
